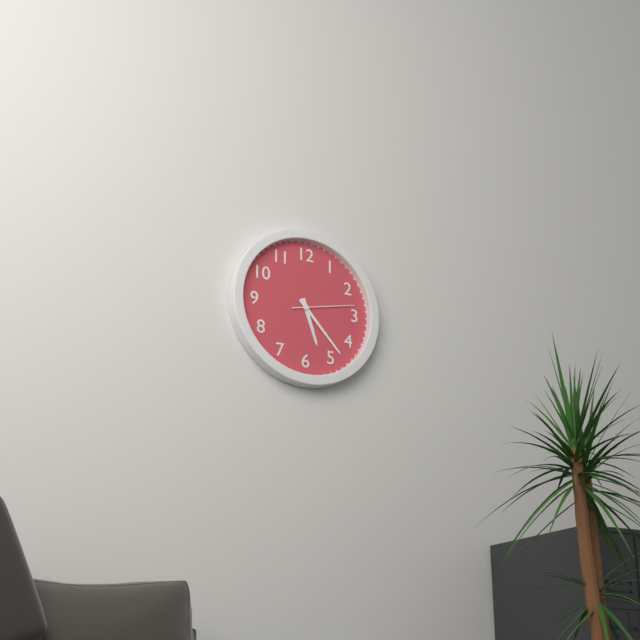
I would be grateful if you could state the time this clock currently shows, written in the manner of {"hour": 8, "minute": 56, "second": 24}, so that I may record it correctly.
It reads {"hour": 5, "minute": 23, "second": 13}
